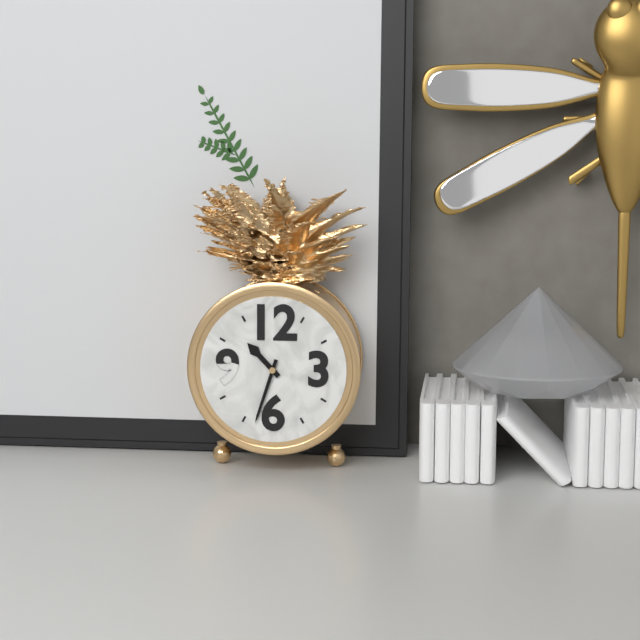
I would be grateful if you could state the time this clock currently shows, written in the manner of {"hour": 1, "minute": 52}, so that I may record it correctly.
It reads {"hour": 10, "minute": 33}
